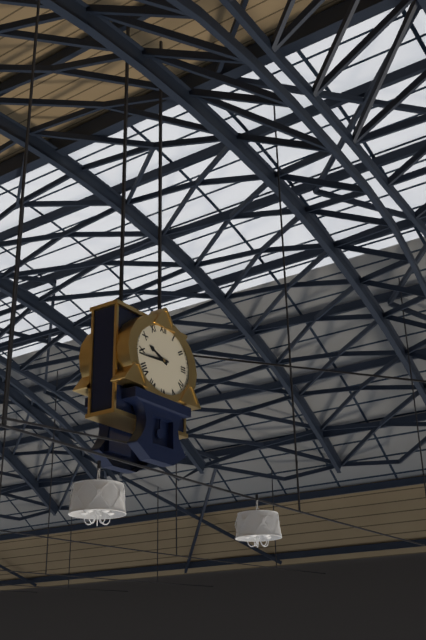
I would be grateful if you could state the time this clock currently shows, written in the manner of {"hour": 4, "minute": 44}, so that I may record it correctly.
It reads {"hour": 9, "minute": 44}
